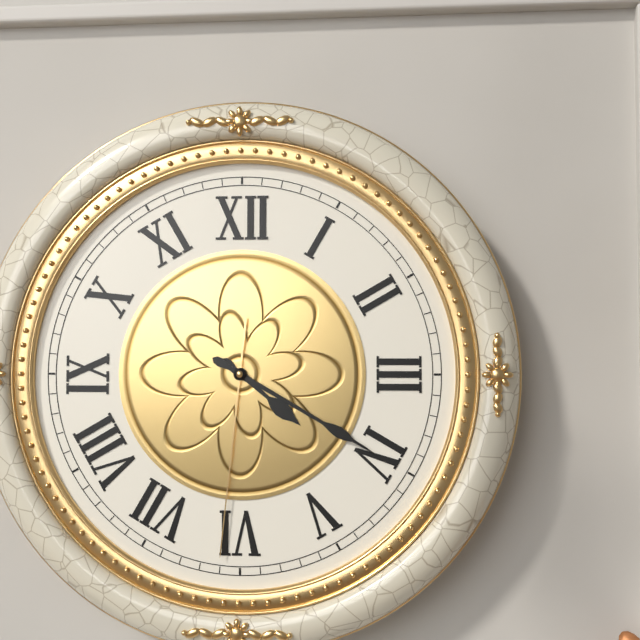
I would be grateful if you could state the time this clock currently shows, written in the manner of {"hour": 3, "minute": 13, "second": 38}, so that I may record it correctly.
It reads {"hour": 4, "minute": 20, "second": 31}
